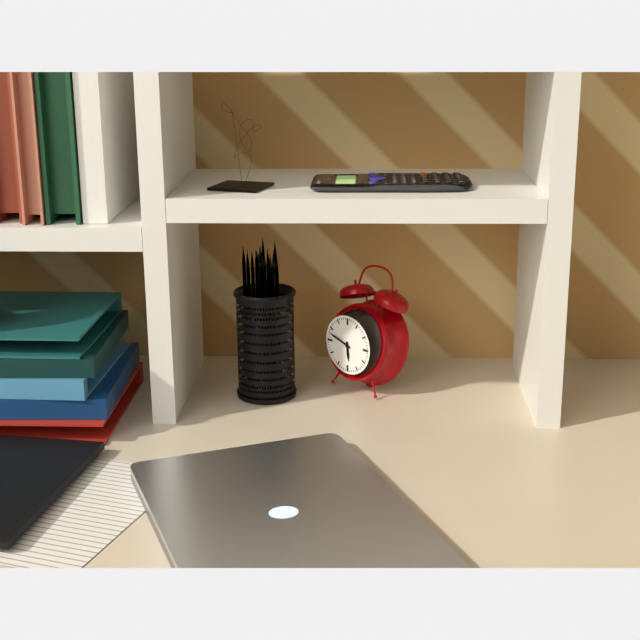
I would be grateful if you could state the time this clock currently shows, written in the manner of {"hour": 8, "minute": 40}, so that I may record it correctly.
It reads {"hour": 5, "minute": 48}
